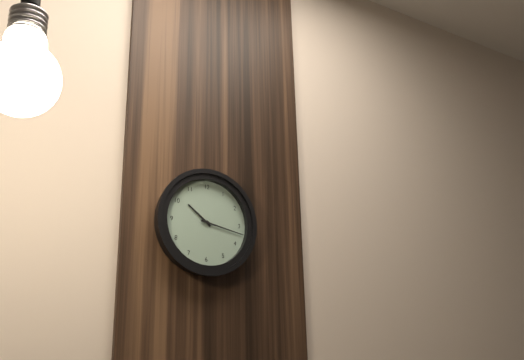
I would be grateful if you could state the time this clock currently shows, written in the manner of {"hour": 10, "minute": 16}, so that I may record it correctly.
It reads {"hour": 10, "minute": 17}
